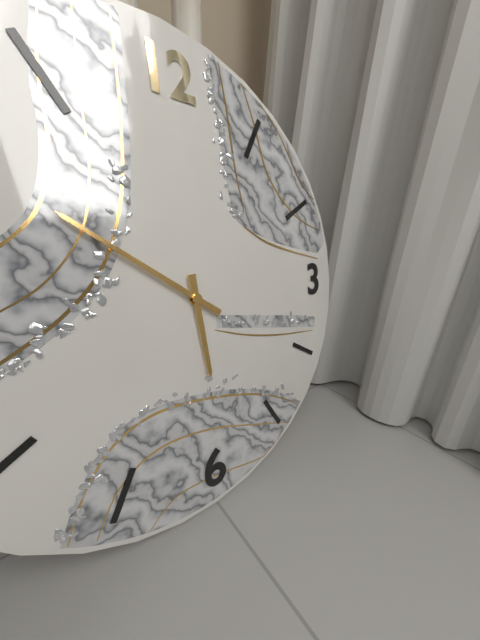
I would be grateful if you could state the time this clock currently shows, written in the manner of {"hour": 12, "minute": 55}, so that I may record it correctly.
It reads {"hour": 5, "minute": 51}
